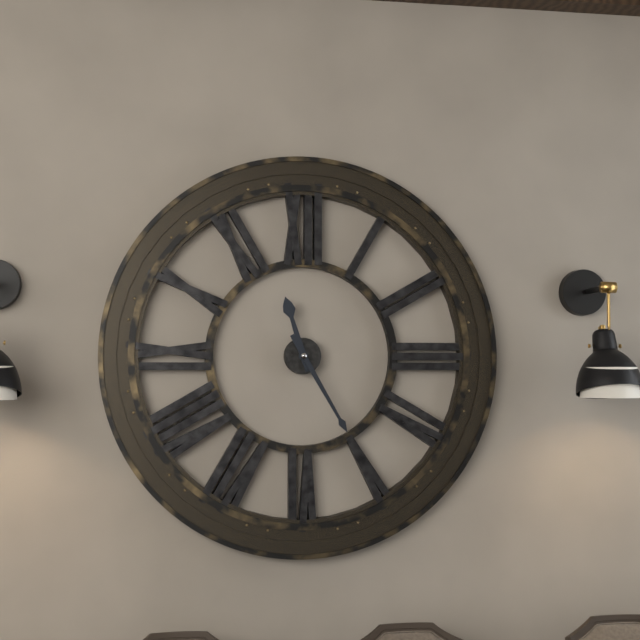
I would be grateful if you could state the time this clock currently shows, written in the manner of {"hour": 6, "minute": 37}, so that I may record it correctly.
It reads {"hour": 11, "minute": 25}
